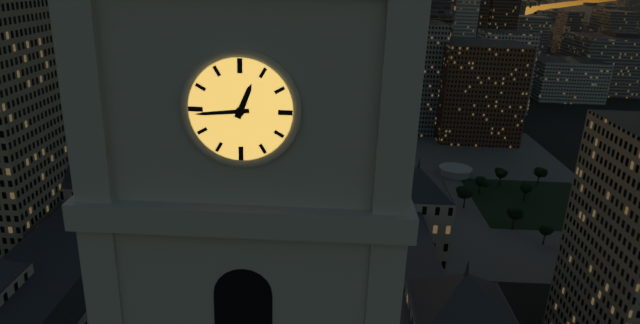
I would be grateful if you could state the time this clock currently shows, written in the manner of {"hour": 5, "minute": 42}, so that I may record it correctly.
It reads {"hour": 12, "minute": 44}
